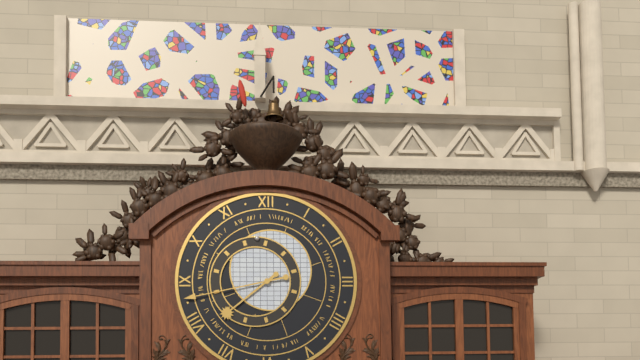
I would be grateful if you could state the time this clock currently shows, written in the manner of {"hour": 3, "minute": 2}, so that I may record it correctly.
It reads {"hour": 7, "minute": 43}
